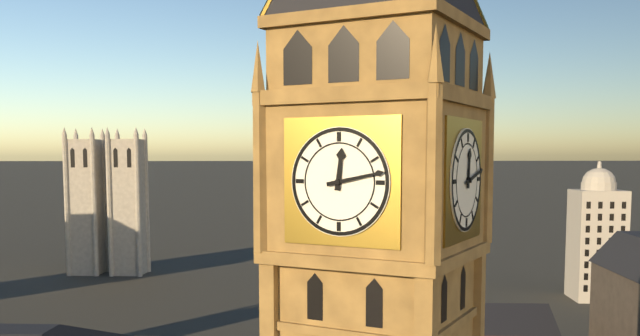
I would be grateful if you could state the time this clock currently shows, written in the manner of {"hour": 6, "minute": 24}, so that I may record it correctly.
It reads {"hour": 12, "minute": 13}
